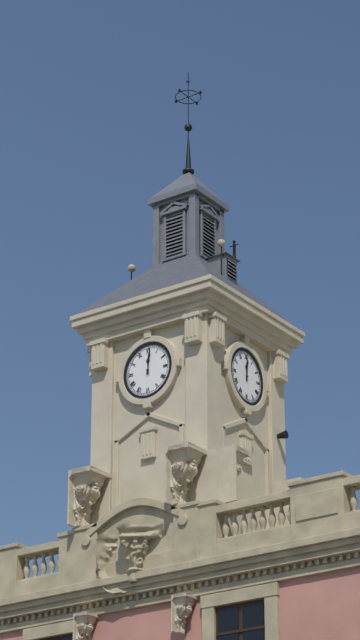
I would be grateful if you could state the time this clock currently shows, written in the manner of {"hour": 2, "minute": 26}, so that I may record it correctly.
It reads {"hour": 12, "minute": 1}
